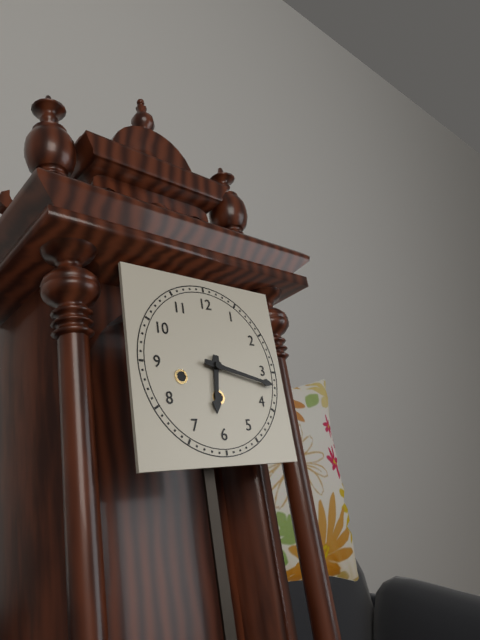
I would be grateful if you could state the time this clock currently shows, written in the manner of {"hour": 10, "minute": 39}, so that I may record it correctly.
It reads {"hour": 6, "minute": 17}
